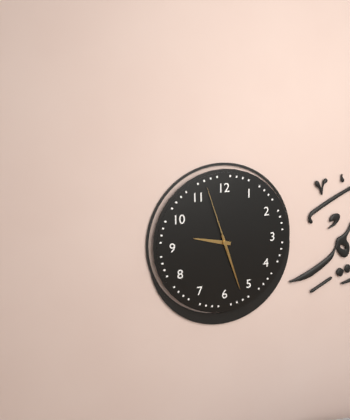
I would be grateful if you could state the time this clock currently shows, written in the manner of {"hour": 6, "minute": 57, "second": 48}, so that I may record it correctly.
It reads {"hour": 9, "minute": 27, "second": 57}
